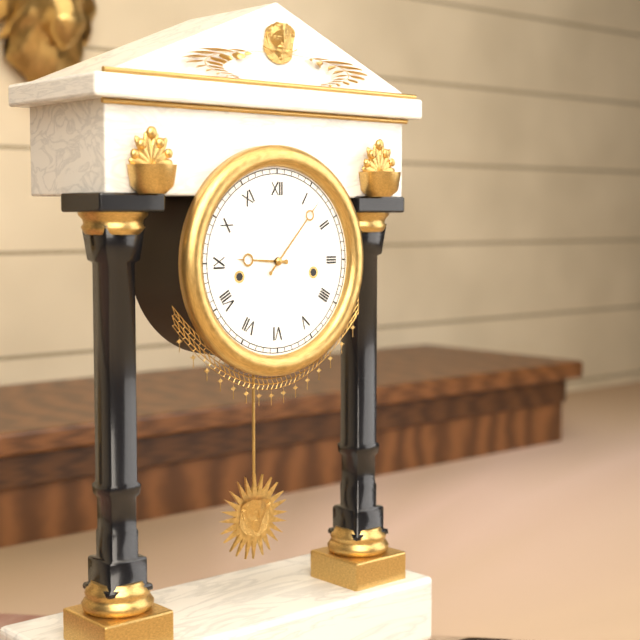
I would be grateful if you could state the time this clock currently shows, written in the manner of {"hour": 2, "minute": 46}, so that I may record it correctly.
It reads {"hour": 9, "minute": 7}
